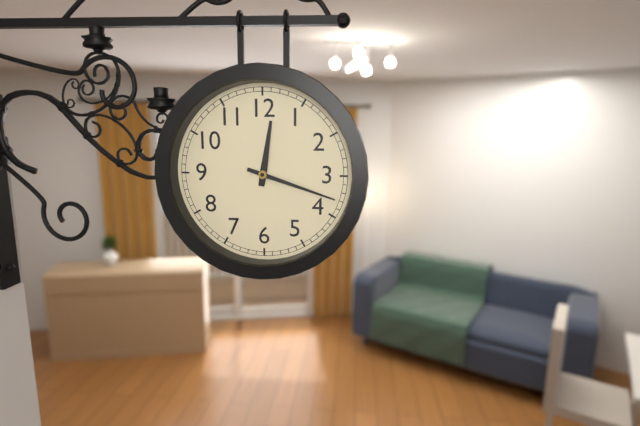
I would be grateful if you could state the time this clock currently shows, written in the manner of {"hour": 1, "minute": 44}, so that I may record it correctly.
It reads {"hour": 12, "minute": 18}
